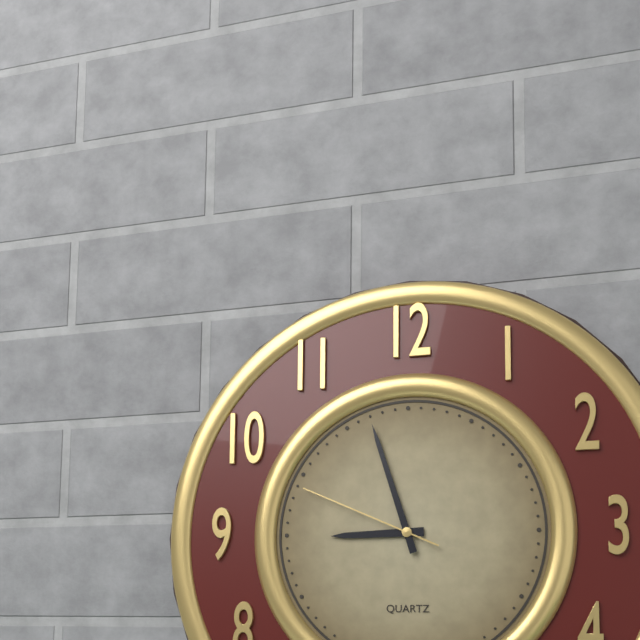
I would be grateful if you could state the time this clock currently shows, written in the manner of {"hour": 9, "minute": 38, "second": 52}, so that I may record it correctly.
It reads {"hour": 8, "minute": 57, "second": 49}
